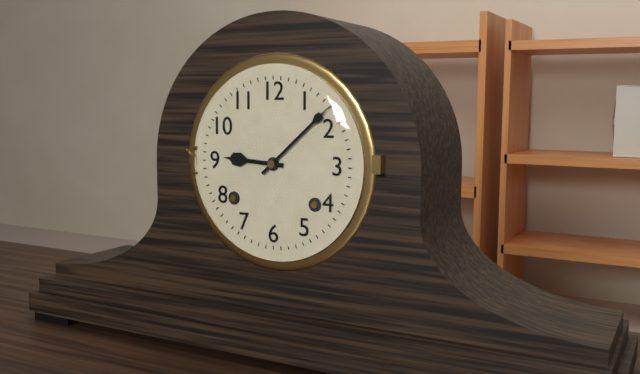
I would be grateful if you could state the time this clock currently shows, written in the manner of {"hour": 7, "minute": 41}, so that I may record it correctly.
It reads {"hour": 9, "minute": 8}
